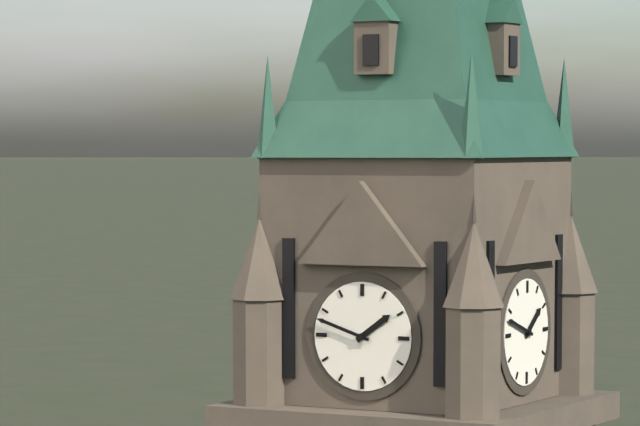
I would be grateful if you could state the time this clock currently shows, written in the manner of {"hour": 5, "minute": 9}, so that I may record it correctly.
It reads {"hour": 1, "minute": 48}
